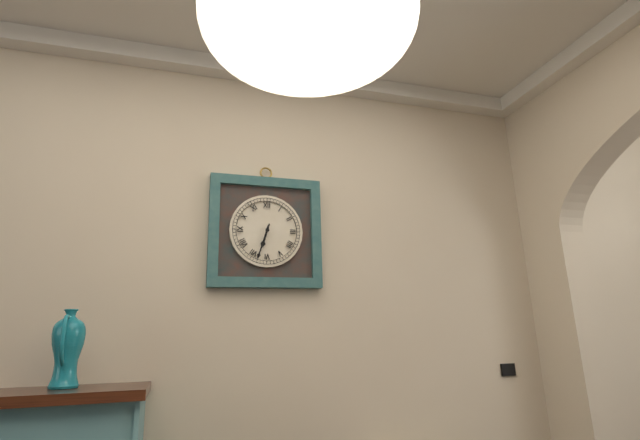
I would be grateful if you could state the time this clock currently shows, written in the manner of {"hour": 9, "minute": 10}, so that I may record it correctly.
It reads {"hour": 6, "minute": 33}
